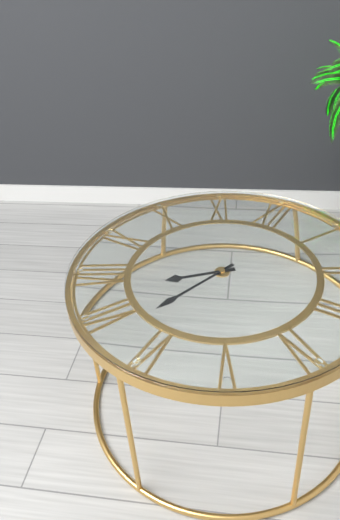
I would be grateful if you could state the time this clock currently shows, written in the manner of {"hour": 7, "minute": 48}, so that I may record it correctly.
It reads {"hour": 7, "minute": 33}
